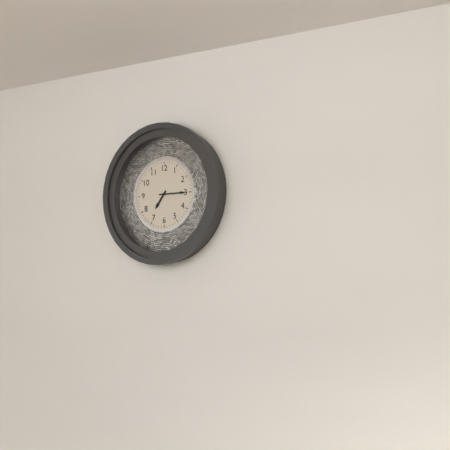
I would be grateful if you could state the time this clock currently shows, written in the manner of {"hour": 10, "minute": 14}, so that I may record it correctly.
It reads {"hour": 7, "minute": 15}
